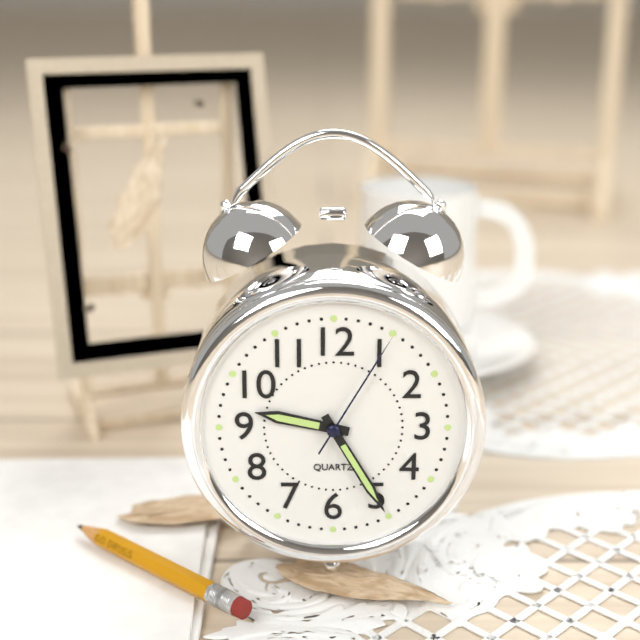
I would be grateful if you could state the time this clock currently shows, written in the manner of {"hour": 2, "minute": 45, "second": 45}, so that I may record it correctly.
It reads {"hour": 9, "minute": 25, "second": 5}
